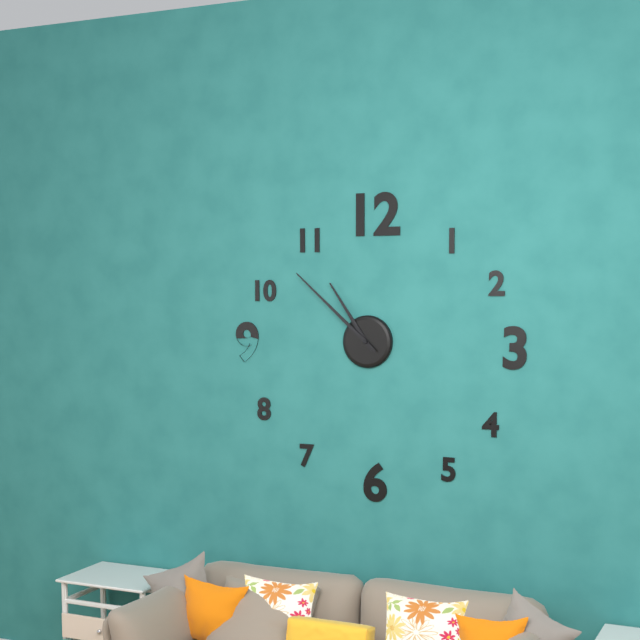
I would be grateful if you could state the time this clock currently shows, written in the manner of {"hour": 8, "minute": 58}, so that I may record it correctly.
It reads {"hour": 10, "minute": 52}
